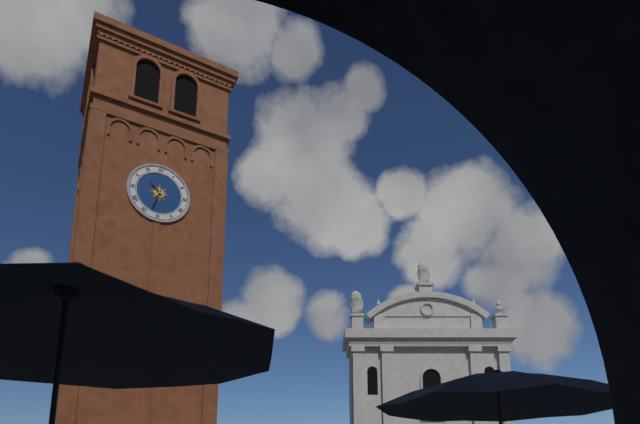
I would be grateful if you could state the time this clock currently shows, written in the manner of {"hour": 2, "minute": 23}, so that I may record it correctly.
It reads {"hour": 10, "minute": 33}
